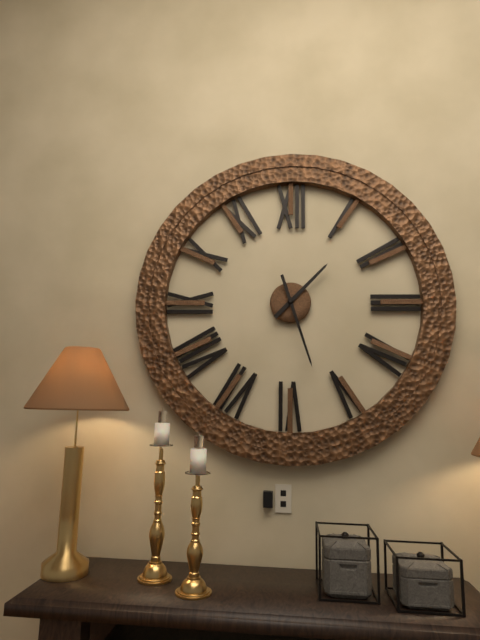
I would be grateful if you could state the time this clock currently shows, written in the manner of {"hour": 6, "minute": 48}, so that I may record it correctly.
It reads {"hour": 1, "minute": 27}
